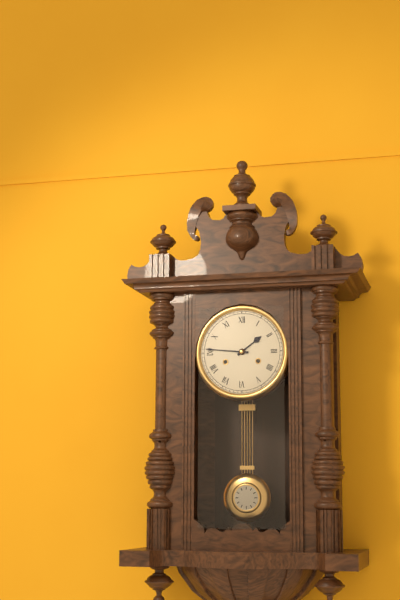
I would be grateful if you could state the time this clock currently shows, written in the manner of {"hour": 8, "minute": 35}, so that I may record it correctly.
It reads {"hour": 1, "minute": 46}
